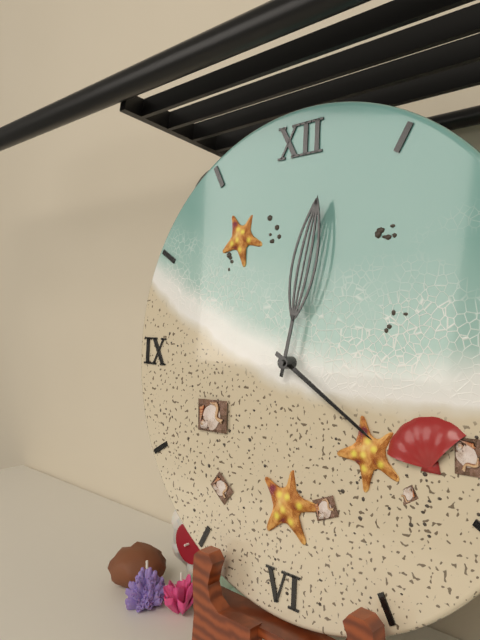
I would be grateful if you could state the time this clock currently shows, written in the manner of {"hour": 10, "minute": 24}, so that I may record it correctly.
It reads {"hour": 4, "minute": 2}
